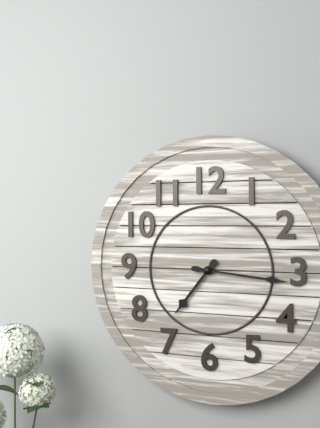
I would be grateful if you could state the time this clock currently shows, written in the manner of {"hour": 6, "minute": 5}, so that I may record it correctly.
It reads {"hour": 7, "minute": 16}
